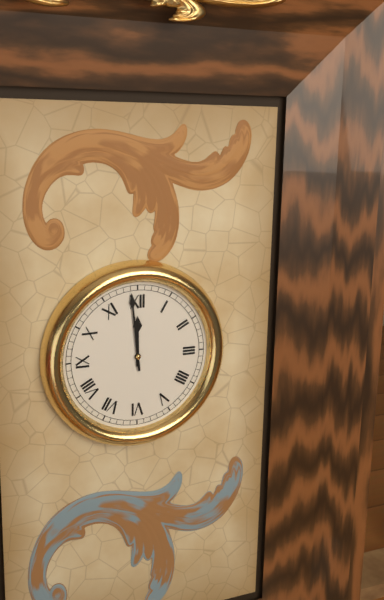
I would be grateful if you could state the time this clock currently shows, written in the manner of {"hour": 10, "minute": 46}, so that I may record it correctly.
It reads {"hour": 11, "minute": 59}
